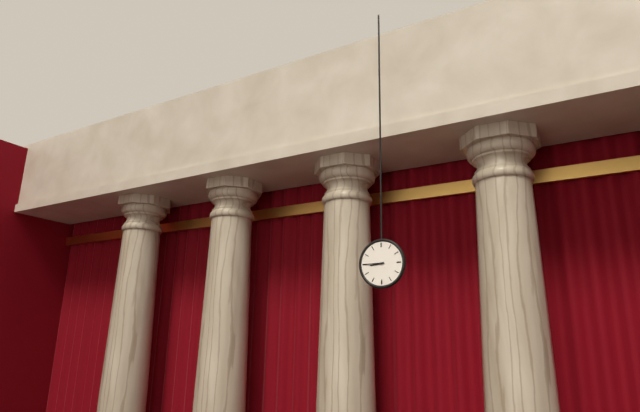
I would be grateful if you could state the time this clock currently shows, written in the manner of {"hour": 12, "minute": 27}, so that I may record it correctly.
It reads {"hour": 8, "minute": 45}
